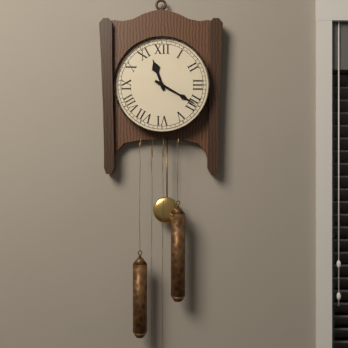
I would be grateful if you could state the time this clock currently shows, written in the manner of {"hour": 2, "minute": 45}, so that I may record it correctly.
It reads {"hour": 11, "minute": 20}
